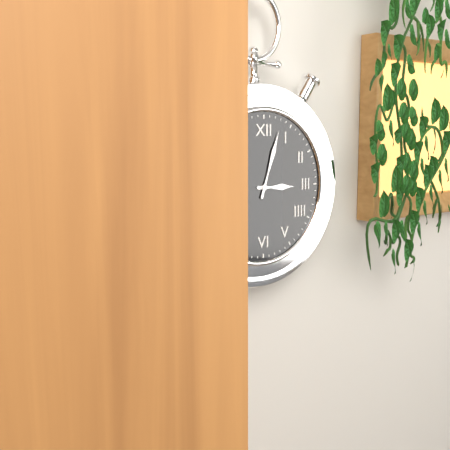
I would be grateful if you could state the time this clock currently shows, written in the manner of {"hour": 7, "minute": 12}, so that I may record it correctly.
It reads {"hour": 3, "minute": 3}
